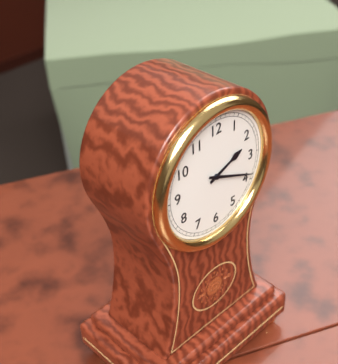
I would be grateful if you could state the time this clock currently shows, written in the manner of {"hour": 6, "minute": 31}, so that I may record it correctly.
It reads {"hour": 2, "minute": 19}
